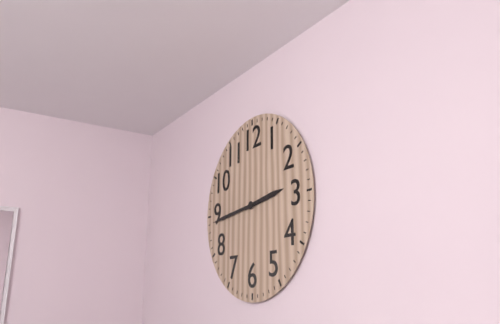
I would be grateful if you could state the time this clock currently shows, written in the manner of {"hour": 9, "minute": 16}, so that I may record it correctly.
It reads {"hour": 2, "minute": 44}
